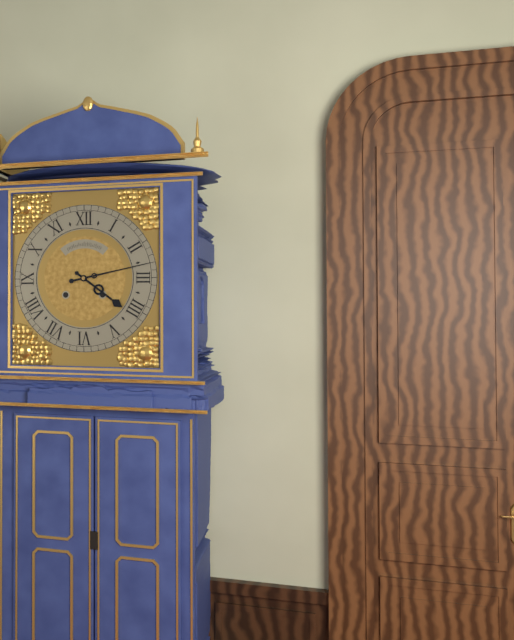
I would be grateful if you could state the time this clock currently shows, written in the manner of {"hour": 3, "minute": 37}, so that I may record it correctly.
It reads {"hour": 4, "minute": 13}
